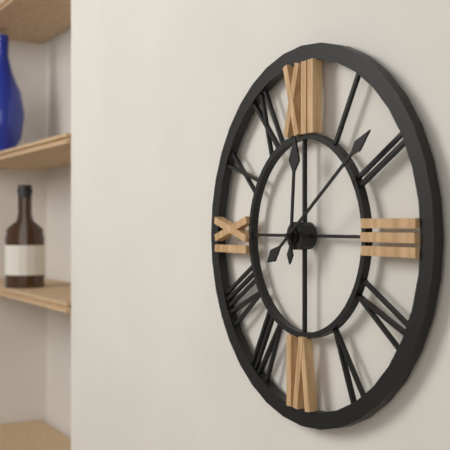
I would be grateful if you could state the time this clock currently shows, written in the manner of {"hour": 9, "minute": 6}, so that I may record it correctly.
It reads {"hour": 12, "minute": 9}
